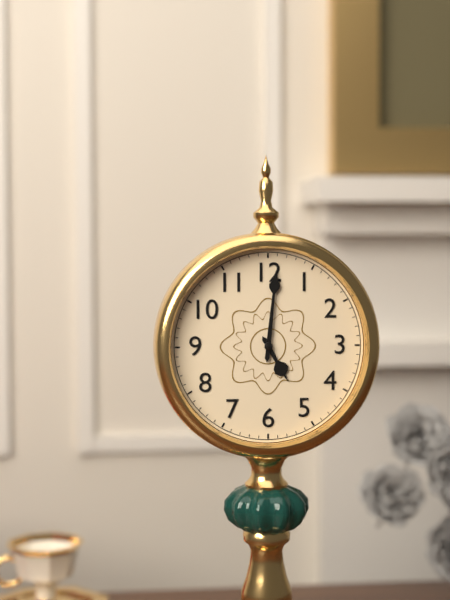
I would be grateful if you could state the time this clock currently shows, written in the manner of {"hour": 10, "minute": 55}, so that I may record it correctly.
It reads {"hour": 5, "minute": 1}
